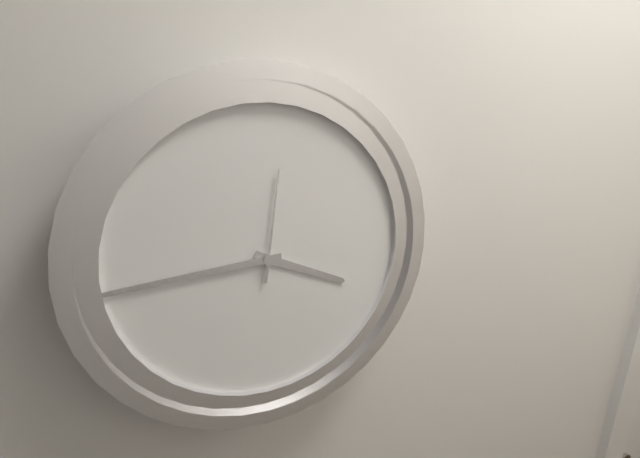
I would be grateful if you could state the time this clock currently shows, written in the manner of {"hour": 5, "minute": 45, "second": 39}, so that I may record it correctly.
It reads {"hour": 3, "minute": 44, "second": 1}
